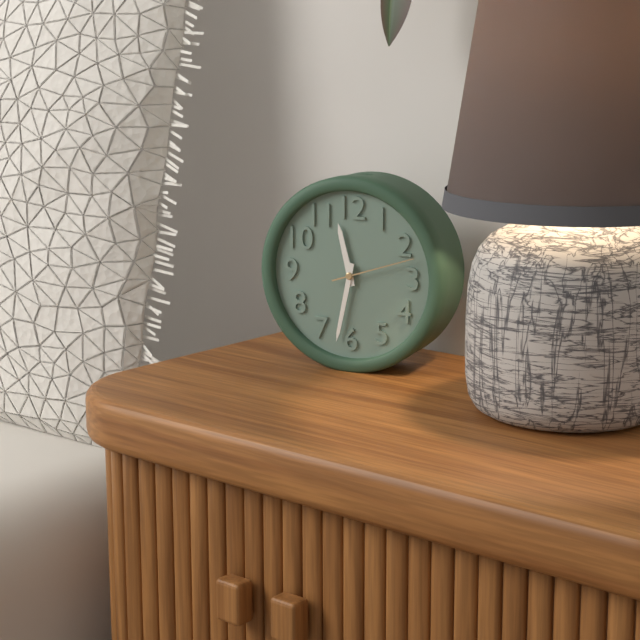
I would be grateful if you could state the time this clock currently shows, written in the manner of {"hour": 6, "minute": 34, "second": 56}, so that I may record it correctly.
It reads {"hour": 11, "minute": 32, "second": 12}
